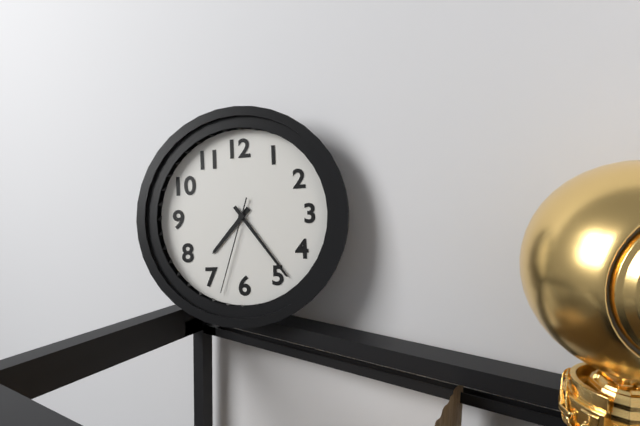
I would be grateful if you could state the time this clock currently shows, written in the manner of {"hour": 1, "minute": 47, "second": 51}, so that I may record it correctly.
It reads {"hour": 7, "minute": 24, "second": 33}
